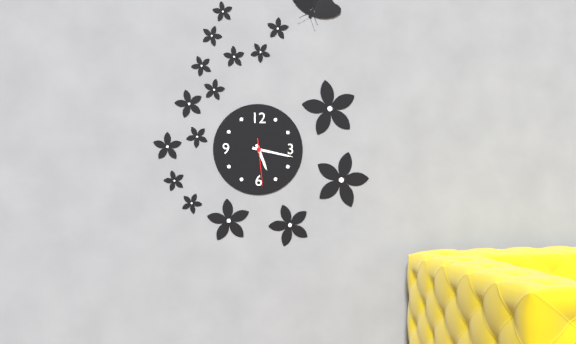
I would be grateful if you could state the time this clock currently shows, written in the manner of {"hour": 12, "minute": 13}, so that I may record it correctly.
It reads {"hour": 5, "minute": 17}
